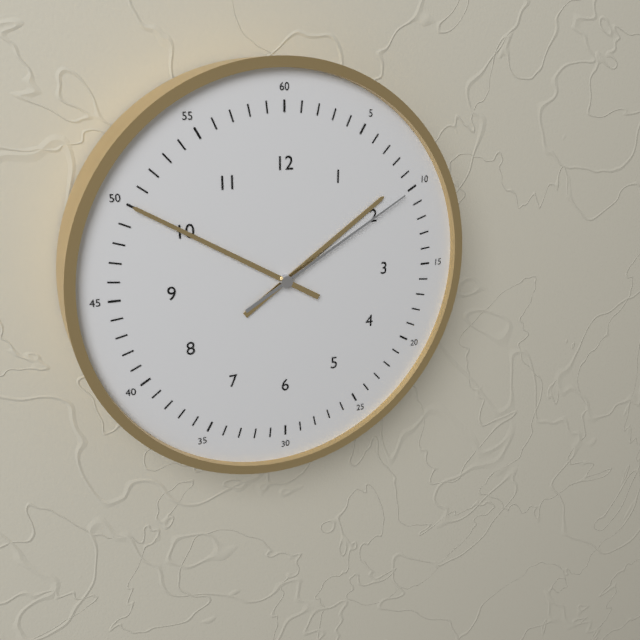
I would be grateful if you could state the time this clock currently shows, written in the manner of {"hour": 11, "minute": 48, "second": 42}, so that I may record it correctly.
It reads {"hour": 1, "minute": 50, "second": 10}
